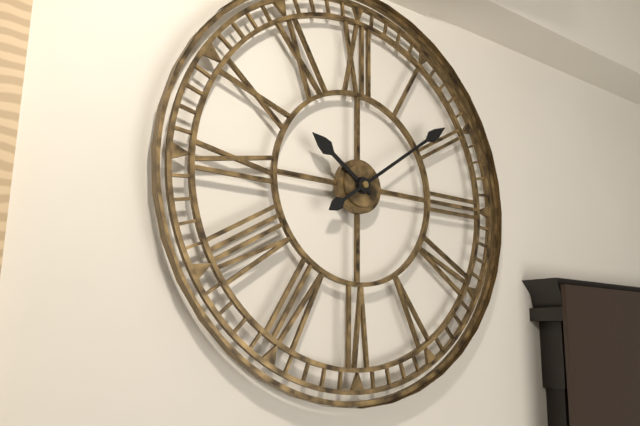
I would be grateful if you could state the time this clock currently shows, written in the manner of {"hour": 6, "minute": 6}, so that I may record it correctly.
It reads {"hour": 10, "minute": 9}
